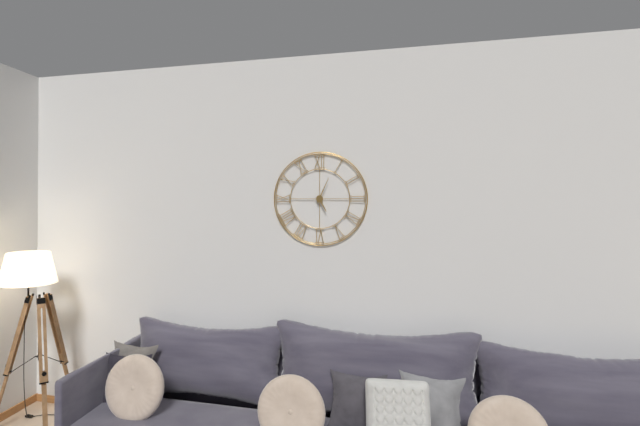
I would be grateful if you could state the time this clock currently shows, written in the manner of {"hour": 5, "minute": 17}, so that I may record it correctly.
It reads {"hour": 5, "minute": 4}
